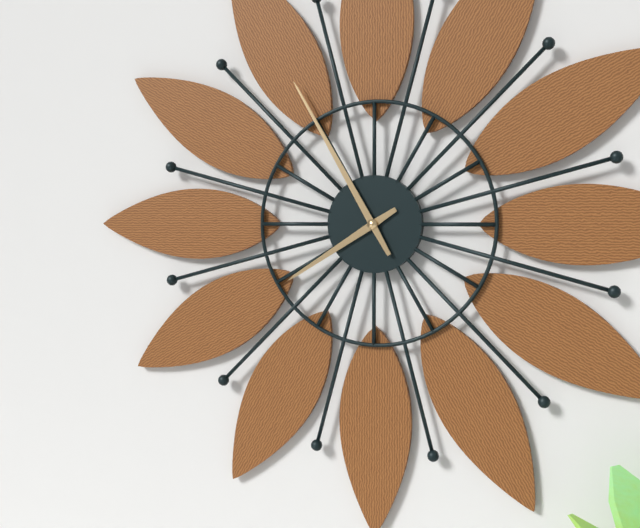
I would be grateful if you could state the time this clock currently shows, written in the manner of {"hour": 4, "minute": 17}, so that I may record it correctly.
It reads {"hour": 7, "minute": 55}
